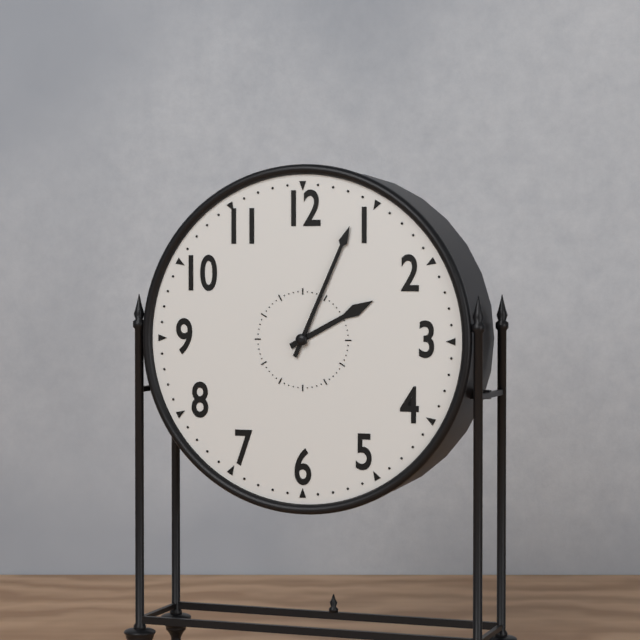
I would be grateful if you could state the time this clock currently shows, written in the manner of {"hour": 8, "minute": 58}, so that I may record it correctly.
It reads {"hour": 2, "minute": 4}
